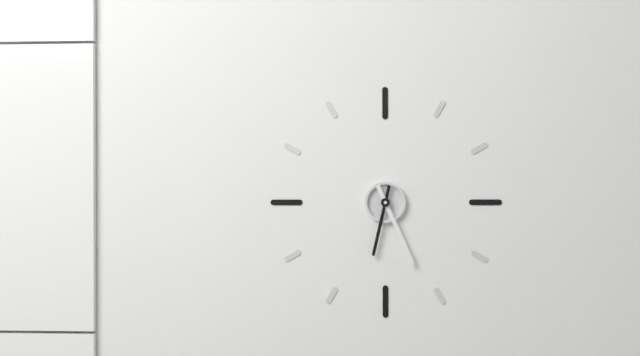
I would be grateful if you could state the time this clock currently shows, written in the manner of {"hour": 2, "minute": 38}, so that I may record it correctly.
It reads {"hour": 6, "minute": 26}
